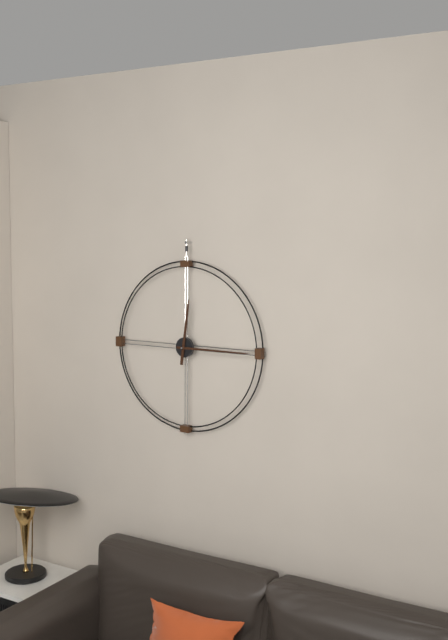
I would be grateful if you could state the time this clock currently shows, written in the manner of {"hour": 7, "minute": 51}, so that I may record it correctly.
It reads {"hour": 12, "minute": 15}
